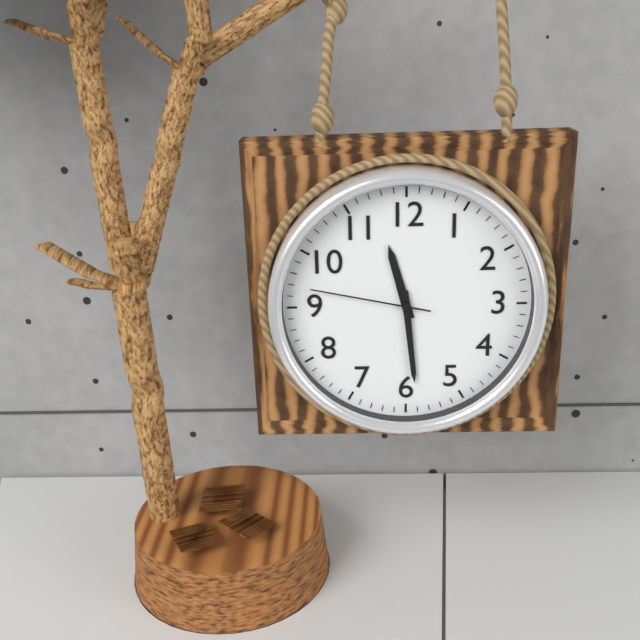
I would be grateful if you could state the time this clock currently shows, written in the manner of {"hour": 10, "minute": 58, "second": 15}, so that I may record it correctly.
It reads {"hour": 11, "minute": 29, "second": 47}
